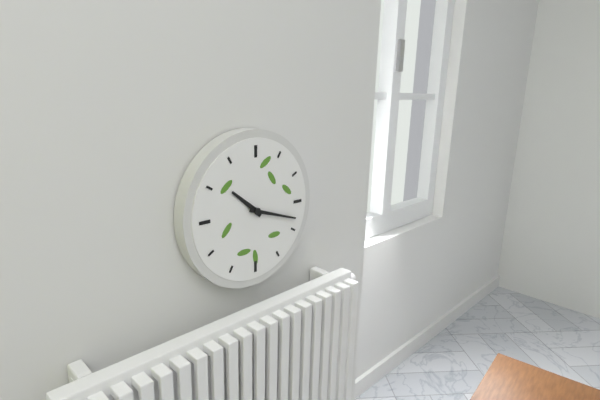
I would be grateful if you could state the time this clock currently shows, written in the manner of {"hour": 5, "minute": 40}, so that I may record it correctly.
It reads {"hour": 10, "minute": 18}
